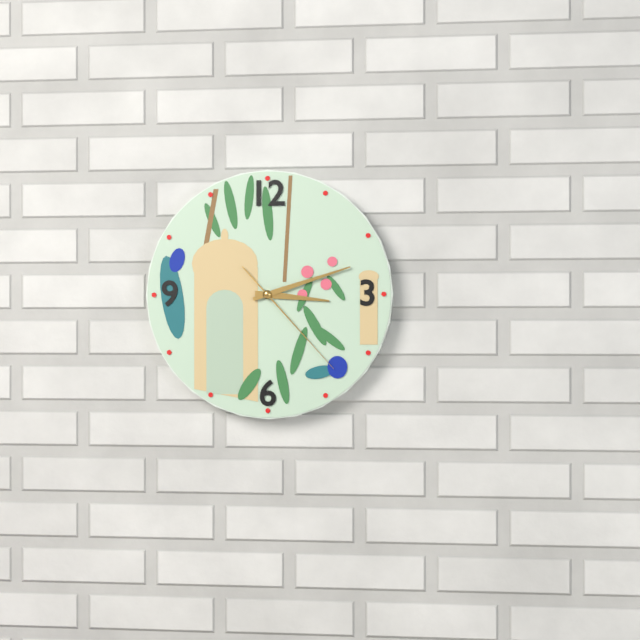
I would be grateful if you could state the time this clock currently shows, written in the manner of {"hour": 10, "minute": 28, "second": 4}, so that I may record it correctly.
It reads {"hour": 3, "minute": 12, "second": 23}
